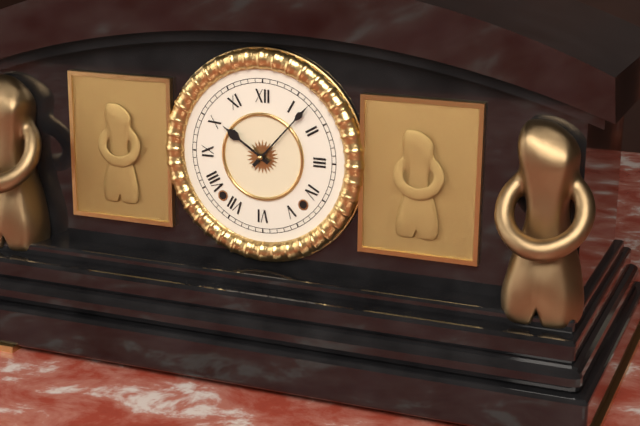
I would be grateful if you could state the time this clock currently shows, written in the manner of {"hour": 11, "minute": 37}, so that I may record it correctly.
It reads {"hour": 10, "minute": 7}
